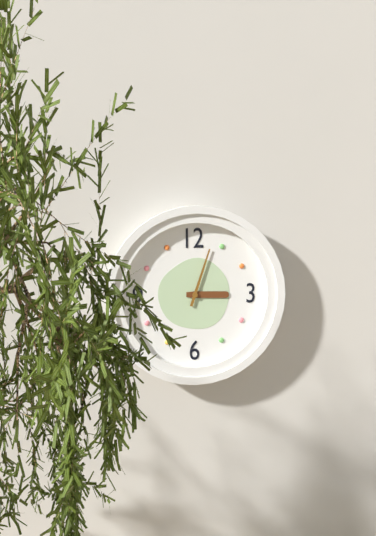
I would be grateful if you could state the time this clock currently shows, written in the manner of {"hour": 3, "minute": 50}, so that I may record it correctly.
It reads {"hour": 3, "minute": 3}
